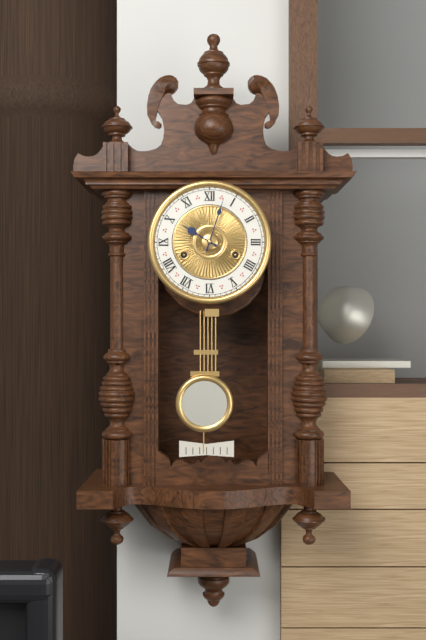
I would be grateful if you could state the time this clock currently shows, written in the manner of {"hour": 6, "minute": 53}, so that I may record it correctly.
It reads {"hour": 10, "minute": 3}
